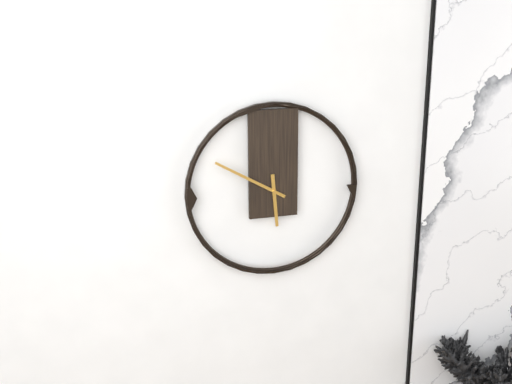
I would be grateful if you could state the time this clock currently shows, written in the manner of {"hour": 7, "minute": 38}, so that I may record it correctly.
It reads {"hour": 5, "minute": 50}
